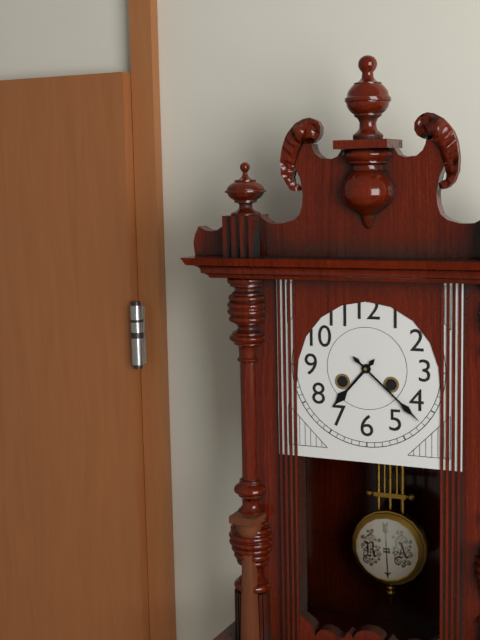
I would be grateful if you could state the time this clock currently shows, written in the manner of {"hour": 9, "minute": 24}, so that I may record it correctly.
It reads {"hour": 7, "minute": 22}
